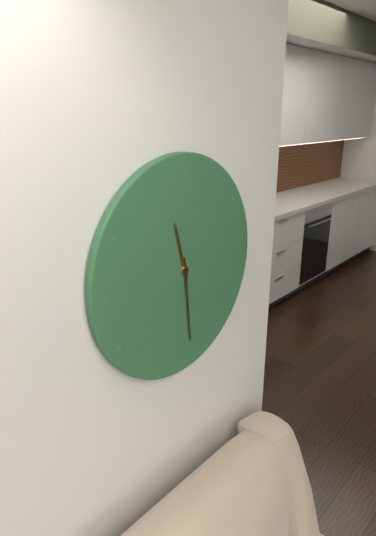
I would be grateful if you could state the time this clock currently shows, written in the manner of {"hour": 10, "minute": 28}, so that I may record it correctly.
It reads {"hour": 11, "minute": 29}
